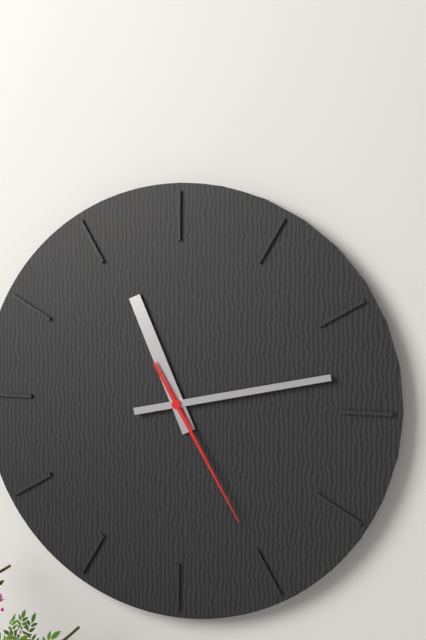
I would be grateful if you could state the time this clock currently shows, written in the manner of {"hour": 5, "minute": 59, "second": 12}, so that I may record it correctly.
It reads {"hour": 11, "minute": 13, "second": 25}
